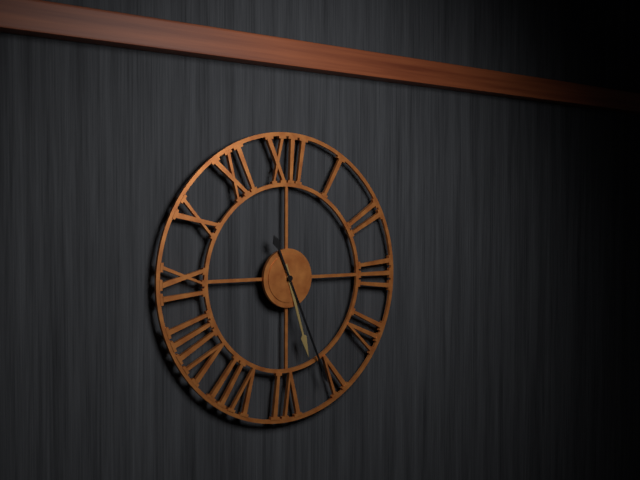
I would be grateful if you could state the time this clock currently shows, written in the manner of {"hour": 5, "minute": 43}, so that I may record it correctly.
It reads {"hour": 5, "minute": 26}
